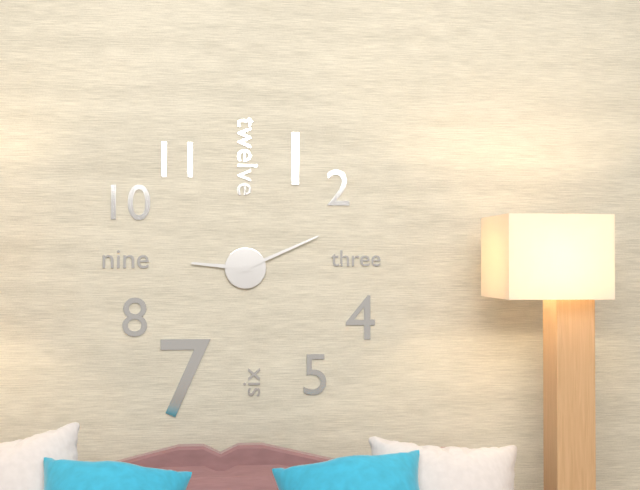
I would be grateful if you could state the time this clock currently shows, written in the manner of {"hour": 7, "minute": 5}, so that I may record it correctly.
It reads {"hour": 9, "minute": 11}
